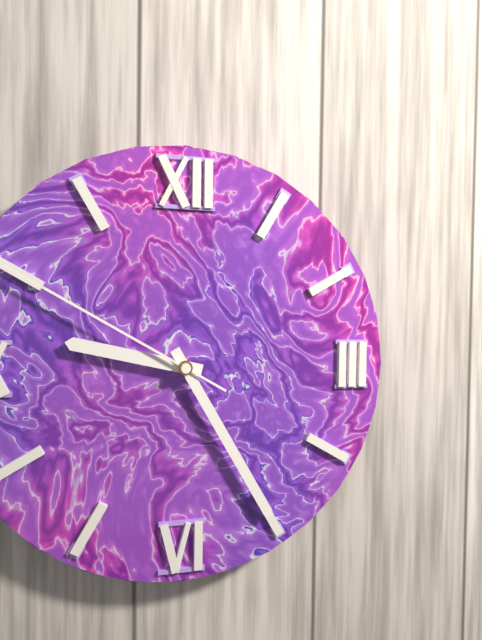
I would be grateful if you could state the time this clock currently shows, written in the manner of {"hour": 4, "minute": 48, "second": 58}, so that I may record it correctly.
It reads {"hour": 9, "minute": 25, "second": 50}
